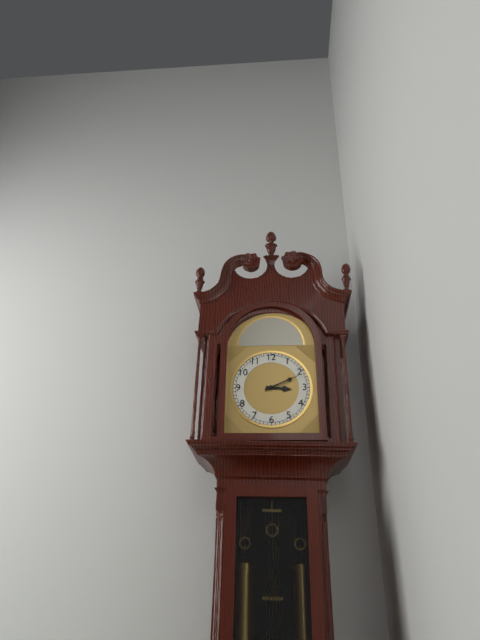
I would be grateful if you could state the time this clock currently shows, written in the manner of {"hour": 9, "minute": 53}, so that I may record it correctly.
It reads {"hour": 3, "minute": 11}
